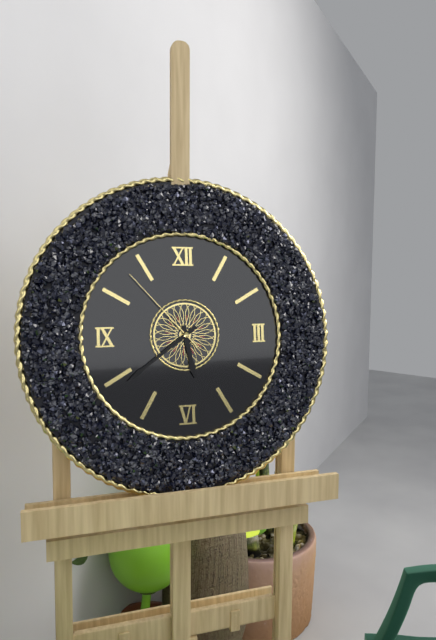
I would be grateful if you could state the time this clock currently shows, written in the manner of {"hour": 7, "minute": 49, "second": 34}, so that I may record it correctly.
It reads {"hour": 5, "minute": 39, "second": 53}
